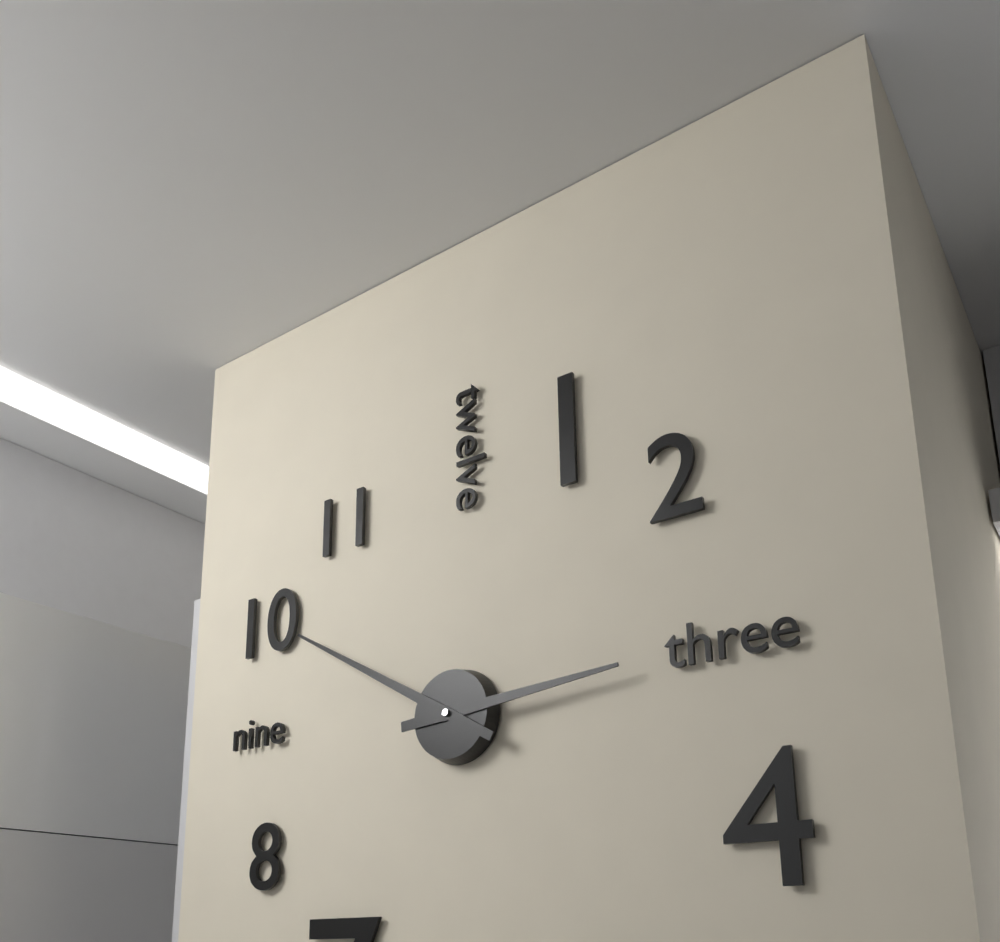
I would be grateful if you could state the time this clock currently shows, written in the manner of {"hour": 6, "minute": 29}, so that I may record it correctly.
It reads {"hour": 2, "minute": 50}
